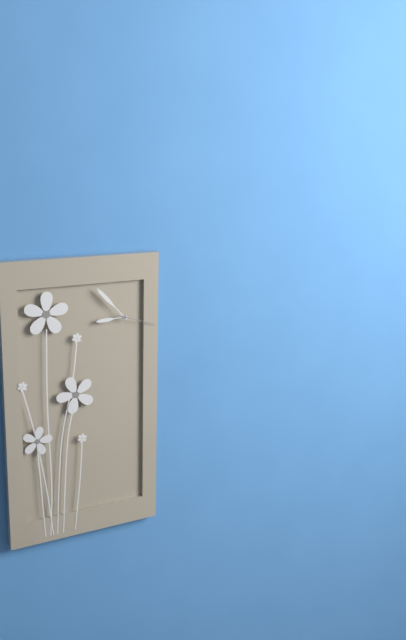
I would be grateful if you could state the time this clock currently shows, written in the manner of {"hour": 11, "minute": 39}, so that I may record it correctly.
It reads {"hour": 8, "minute": 53}
